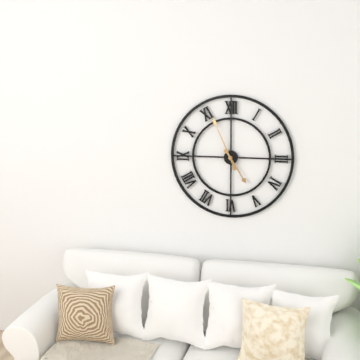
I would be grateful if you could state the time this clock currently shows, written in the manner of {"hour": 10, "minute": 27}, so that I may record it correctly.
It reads {"hour": 4, "minute": 56}
